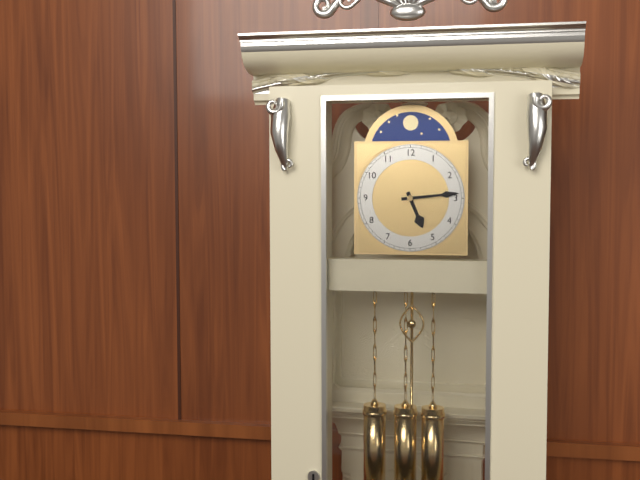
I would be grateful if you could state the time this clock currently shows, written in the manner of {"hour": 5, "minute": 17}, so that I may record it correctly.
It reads {"hour": 5, "minute": 14}
